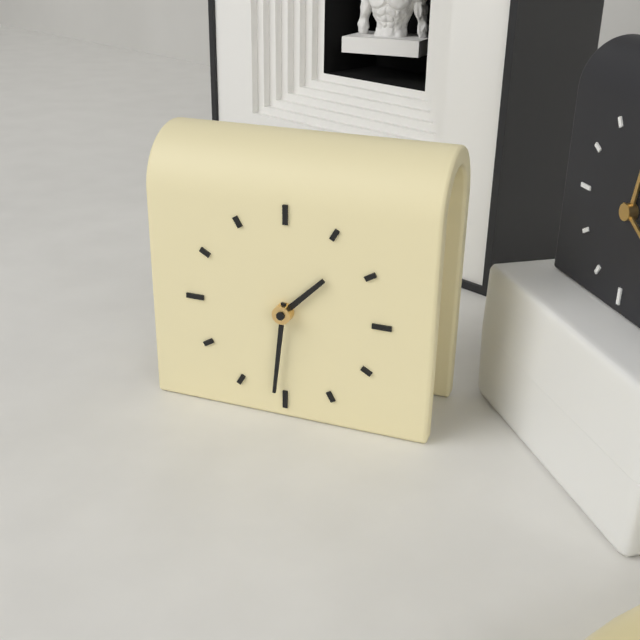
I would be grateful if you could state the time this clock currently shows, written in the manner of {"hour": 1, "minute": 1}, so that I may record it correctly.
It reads {"hour": 1, "minute": 31}
